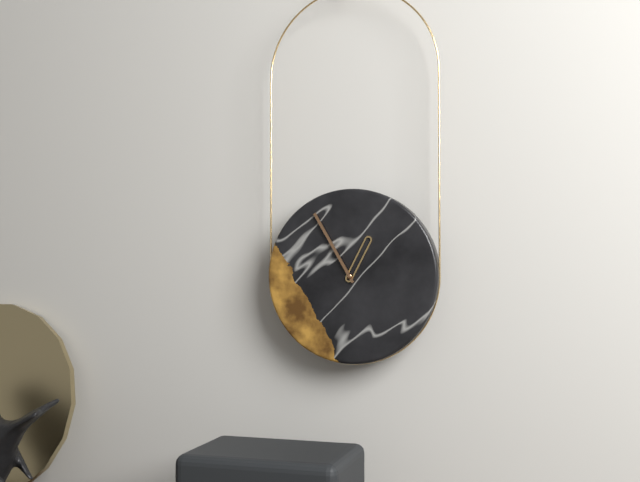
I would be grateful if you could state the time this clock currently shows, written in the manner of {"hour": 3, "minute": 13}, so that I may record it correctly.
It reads {"hour": 12, "minute": 55}
